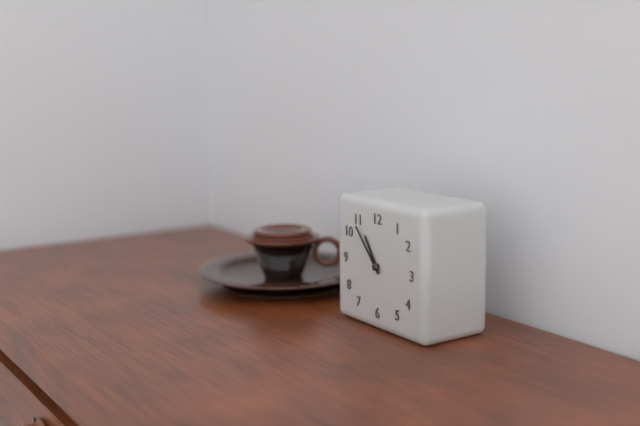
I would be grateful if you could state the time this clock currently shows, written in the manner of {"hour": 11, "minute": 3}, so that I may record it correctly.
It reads {"hour": 10, "minute": 53}
